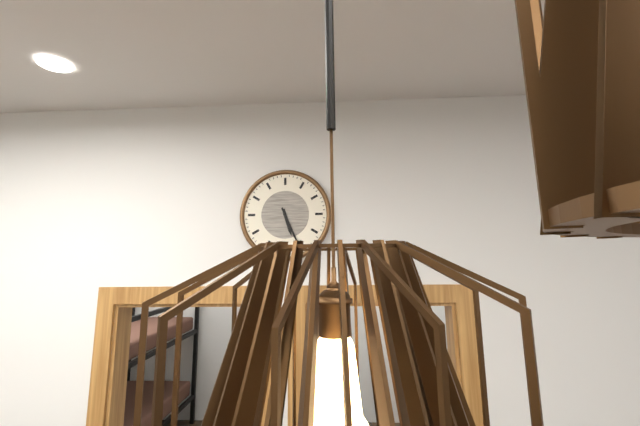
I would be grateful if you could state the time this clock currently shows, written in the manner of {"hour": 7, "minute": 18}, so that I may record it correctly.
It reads {"hour": 5, "minute": 26}
